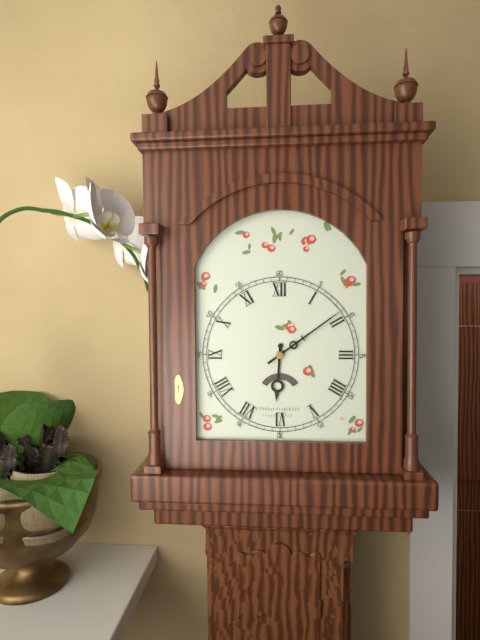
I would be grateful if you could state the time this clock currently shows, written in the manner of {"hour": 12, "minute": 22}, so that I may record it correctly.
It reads {"hour": 6, "minute": 9}
